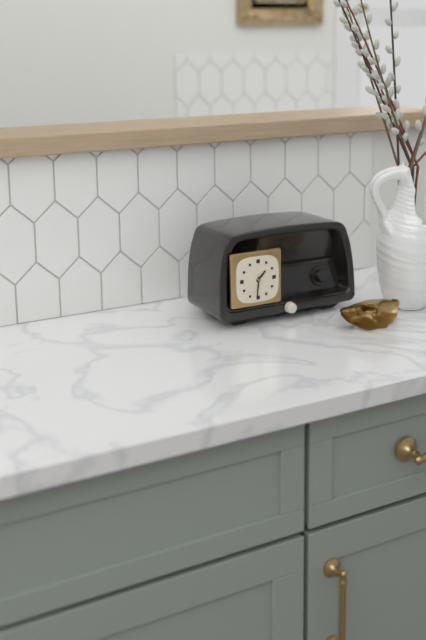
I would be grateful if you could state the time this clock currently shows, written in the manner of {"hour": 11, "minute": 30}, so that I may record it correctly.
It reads {"hour": 1, "minute": 31}
